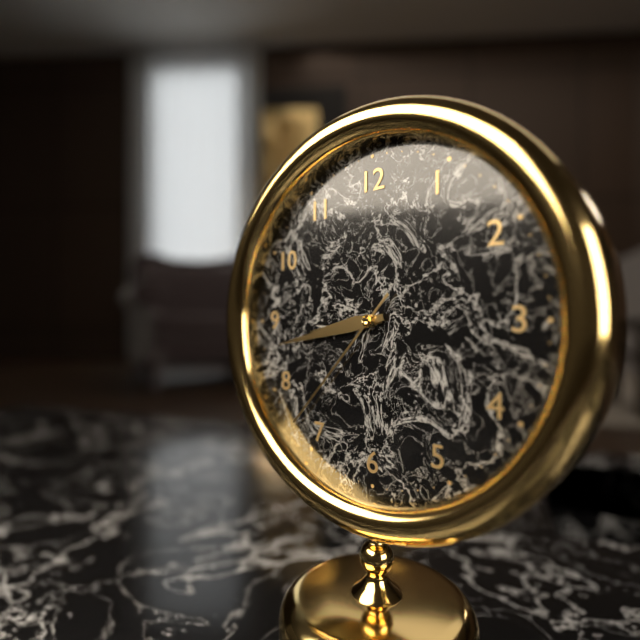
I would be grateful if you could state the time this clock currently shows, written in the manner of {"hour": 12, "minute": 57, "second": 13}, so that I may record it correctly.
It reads {"hour": 8, "minute": 43, "second": 37}
